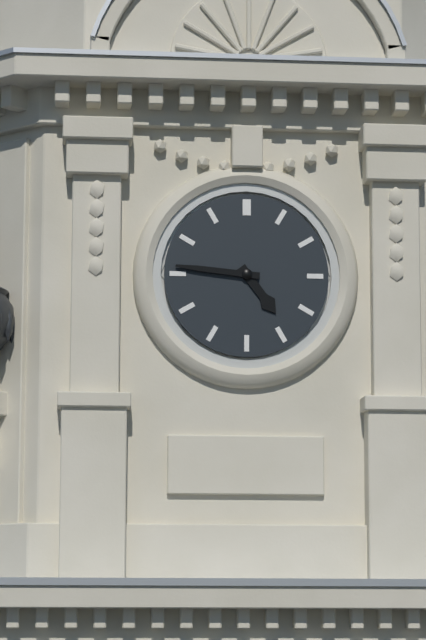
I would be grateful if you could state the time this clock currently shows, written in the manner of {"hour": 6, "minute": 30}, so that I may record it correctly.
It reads {"hour": 4, "minute": 46}
